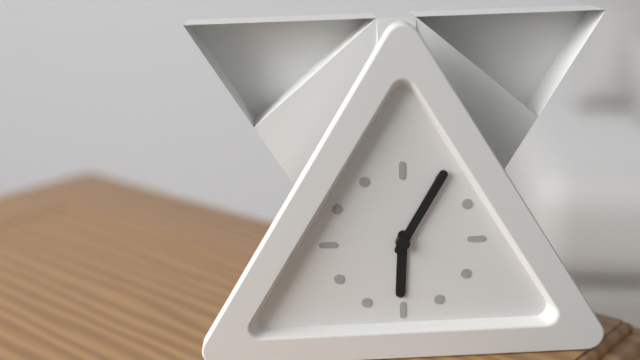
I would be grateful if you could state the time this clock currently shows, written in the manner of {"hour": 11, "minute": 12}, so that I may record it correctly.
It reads {"hour": 6, "minute": 5}
